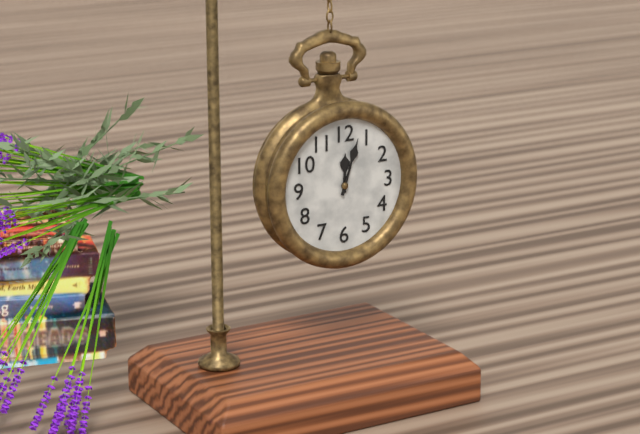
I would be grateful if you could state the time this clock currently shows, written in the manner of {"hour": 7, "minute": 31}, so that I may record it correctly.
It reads {"hour": 12, "minute": 3}
